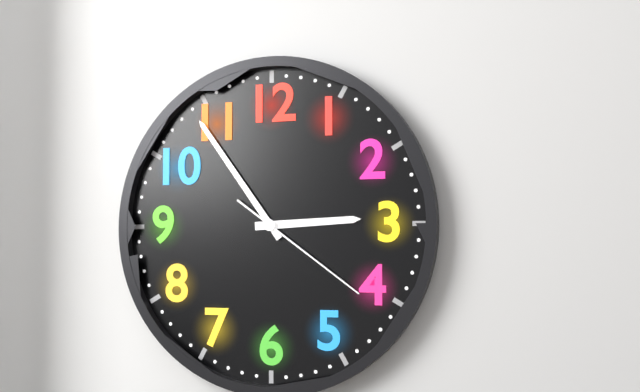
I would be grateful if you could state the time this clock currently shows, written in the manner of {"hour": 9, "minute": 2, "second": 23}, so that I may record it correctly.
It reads {"hour": 2, "minute": 54, "second": 21}
